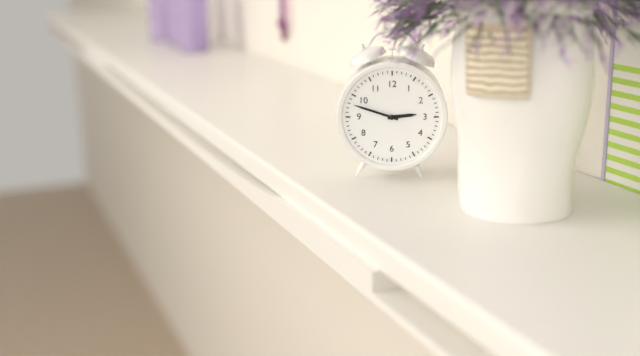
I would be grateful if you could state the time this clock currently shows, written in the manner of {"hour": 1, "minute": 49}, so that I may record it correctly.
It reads {"hour": 2, "minute": 48}
